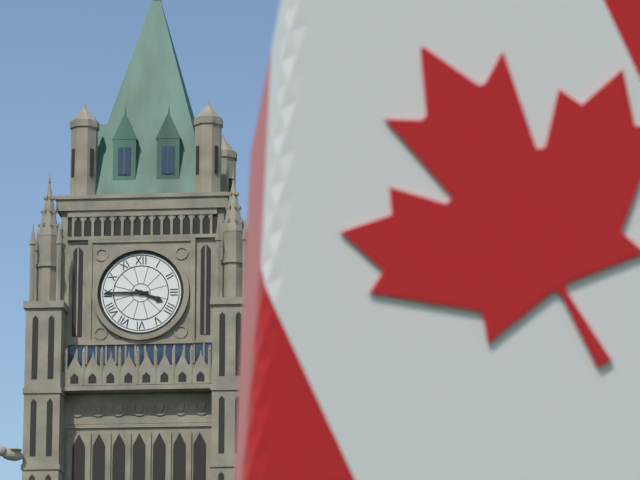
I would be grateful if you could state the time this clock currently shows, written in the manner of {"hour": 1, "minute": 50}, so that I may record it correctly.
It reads {"hour": 3, "minute": 45}
